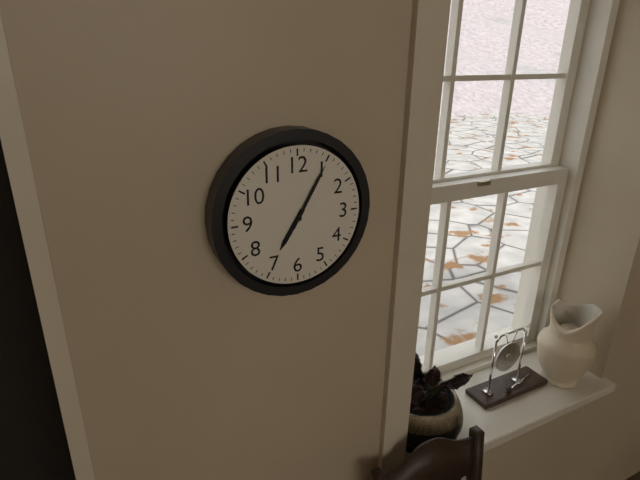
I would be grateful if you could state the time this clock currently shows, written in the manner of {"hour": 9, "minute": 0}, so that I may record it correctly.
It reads {"hour": 7, "minute": 5}
